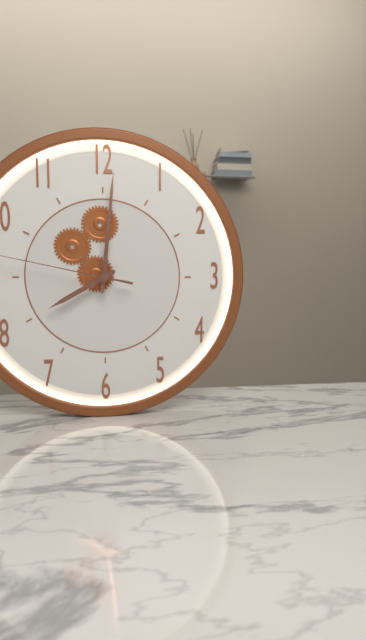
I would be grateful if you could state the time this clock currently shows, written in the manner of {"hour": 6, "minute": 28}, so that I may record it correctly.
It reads {"hour": 8, "minute": 1}
